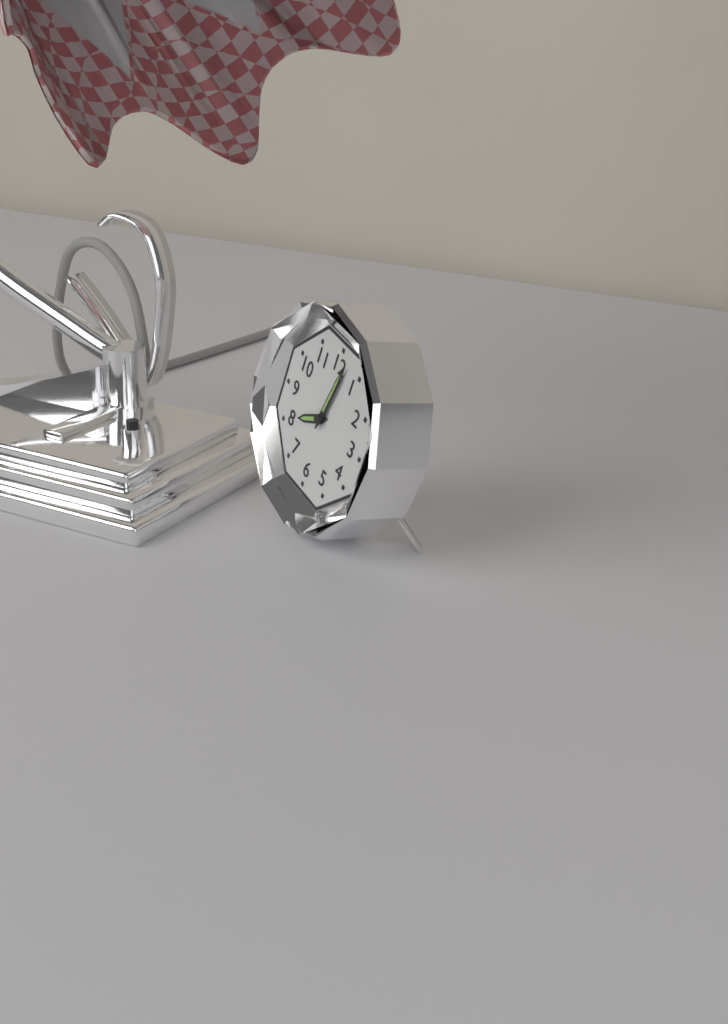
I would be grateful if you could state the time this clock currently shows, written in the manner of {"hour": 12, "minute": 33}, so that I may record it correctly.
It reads {"hour": 8, "minute": 2}
